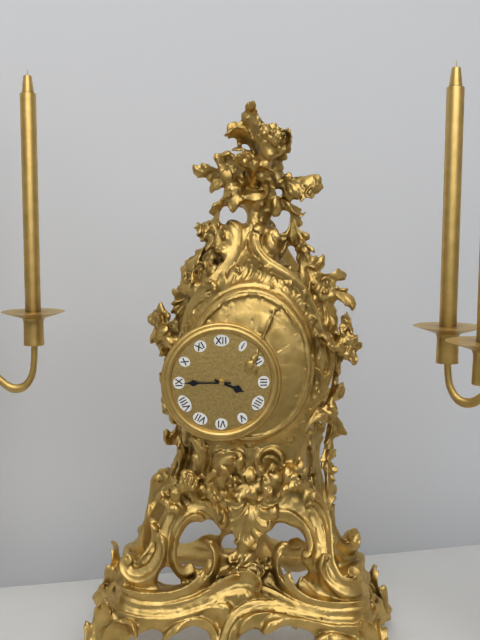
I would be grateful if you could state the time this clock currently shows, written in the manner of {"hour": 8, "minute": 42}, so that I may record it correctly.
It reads {"hour": 3, "minute": 45}
